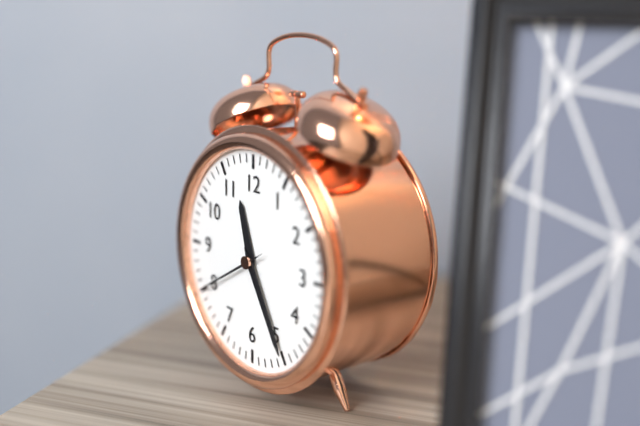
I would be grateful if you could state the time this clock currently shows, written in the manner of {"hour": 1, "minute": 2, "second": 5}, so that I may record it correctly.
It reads {"hour": 11, "minute": 25, "second": 40}
